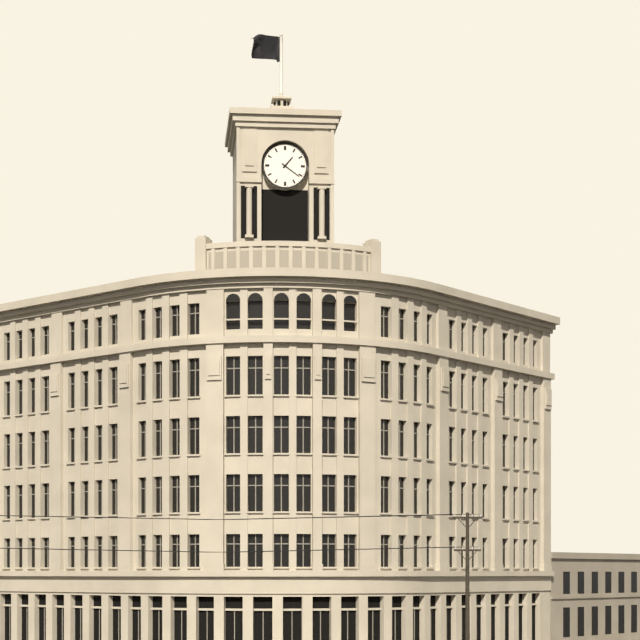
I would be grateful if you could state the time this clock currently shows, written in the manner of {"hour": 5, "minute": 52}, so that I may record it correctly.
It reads {"hour": 1, "minute": 21}
